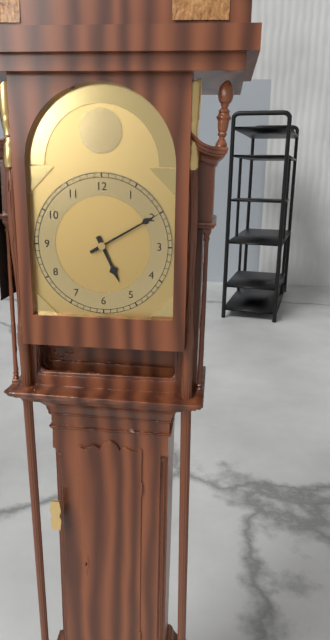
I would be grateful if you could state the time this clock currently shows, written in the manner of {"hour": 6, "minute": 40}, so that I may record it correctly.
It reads {"hour": 5, "minute": 10}
